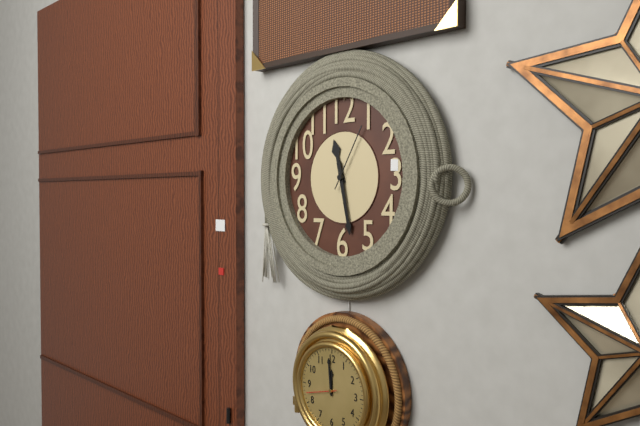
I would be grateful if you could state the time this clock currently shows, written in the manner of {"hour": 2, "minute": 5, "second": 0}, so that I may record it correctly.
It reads {"hour": 11, "minute": 28, "second": 5}
